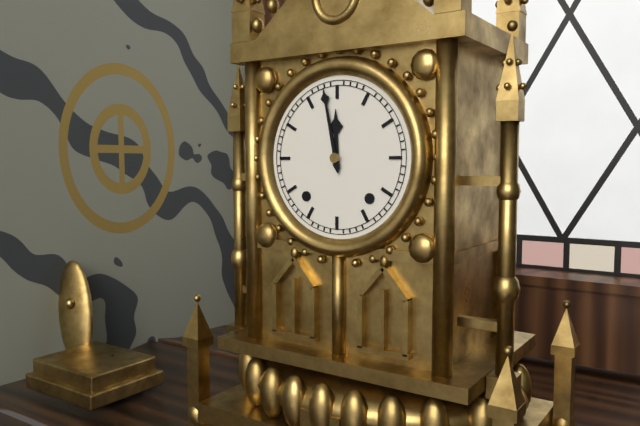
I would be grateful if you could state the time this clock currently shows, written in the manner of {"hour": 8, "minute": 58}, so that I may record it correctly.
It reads {"hour": 11, "minute": 58}
